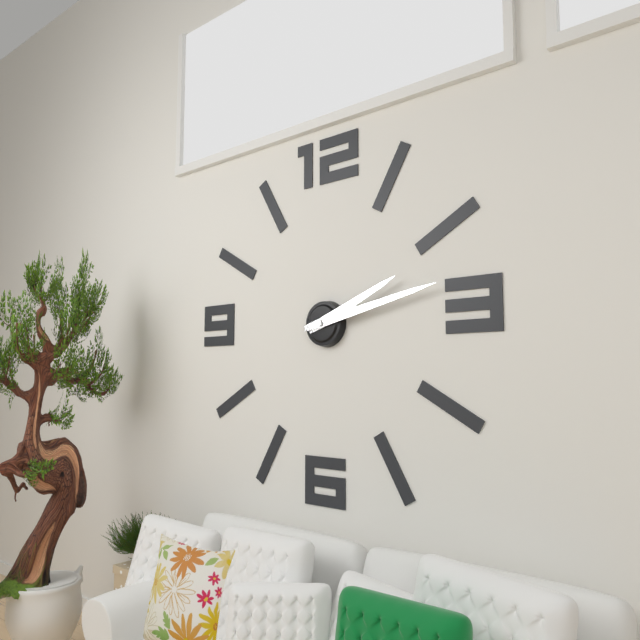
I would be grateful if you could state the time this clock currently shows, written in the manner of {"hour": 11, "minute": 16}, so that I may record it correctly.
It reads {"hour": 2, "minute": 13}
